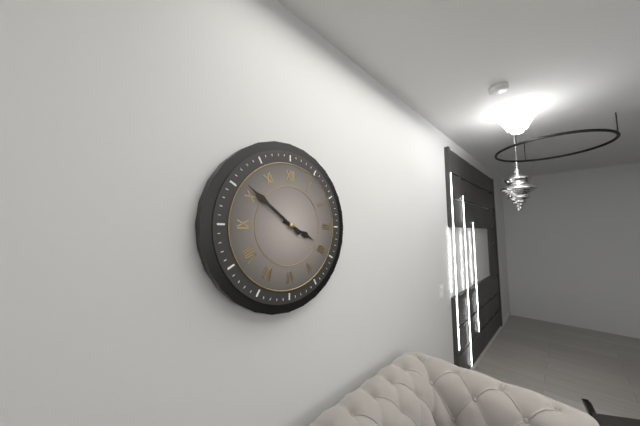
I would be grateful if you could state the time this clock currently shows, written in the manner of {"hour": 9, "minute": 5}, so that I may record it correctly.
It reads {"hour": 3, "minute": 51}
